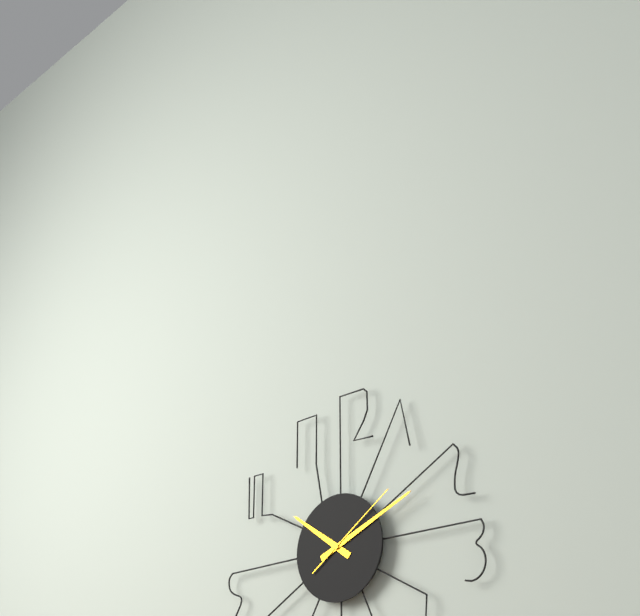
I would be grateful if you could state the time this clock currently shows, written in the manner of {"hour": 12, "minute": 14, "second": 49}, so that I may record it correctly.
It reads {"hour": 10, "minute": 11, "second": 9}
